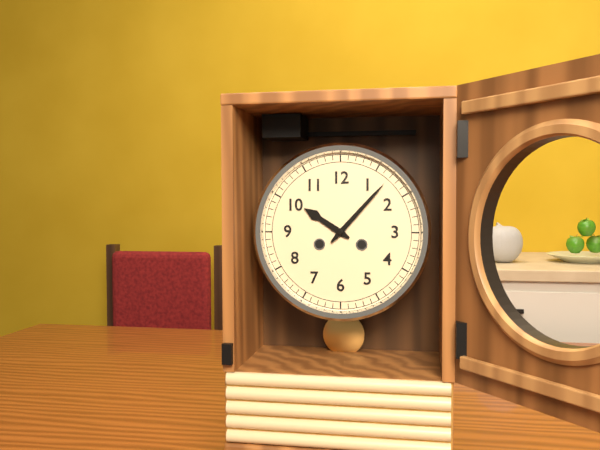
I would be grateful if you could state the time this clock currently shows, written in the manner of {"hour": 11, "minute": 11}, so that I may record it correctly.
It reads {"hour": 10, "minute": 7}
